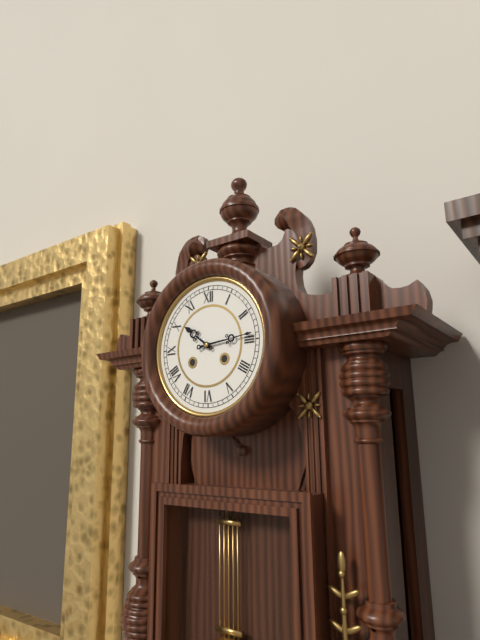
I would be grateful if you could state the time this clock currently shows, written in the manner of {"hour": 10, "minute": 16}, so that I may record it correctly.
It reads {"hour": 10, "minute": 14}
